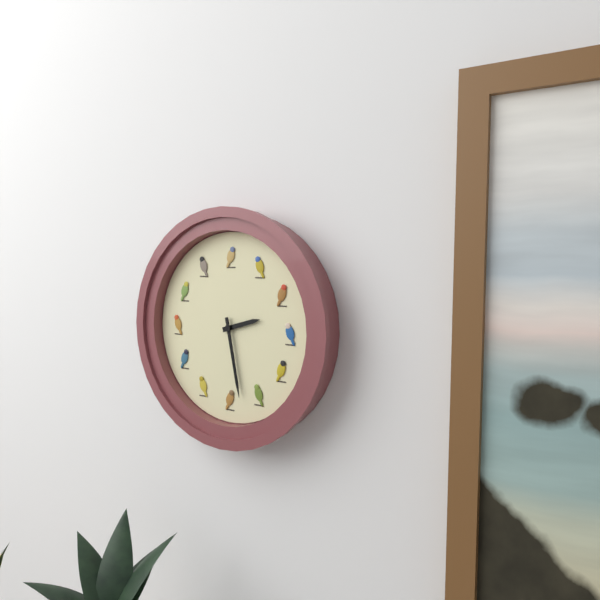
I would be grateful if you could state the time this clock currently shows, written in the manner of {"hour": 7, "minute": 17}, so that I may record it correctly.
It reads {"hour": 2, "minute": 28}
